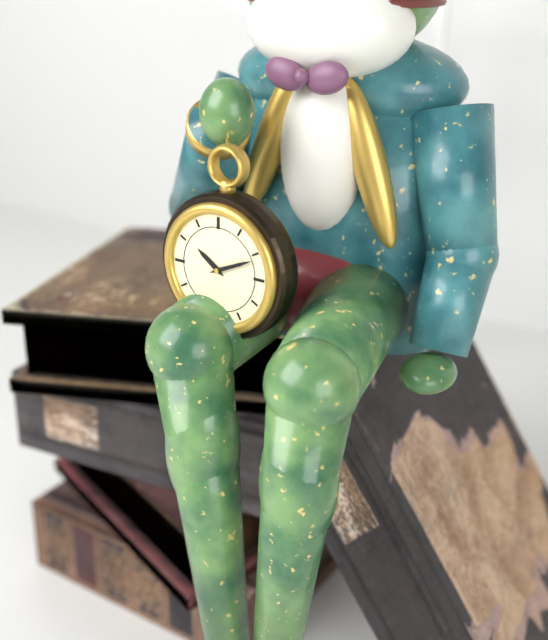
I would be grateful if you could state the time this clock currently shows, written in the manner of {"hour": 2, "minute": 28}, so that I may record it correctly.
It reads {"hour": 10, "minute": 11}
